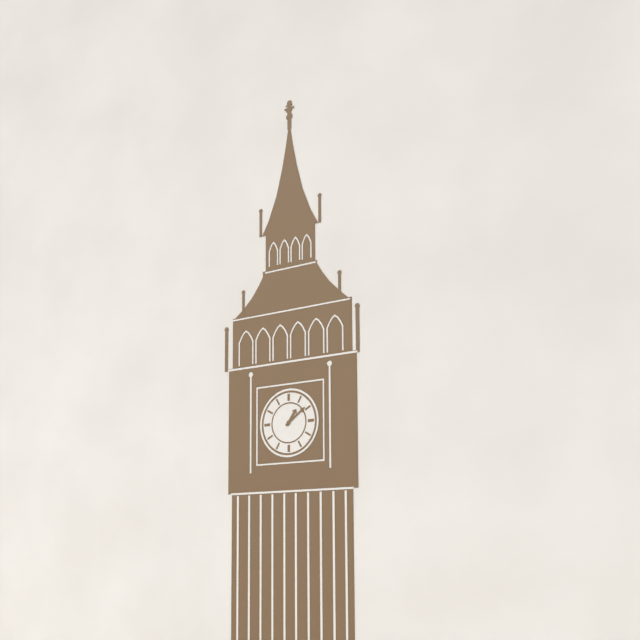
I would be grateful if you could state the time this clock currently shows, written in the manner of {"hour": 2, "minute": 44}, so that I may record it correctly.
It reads {"hour": 1, "minute": 9}
